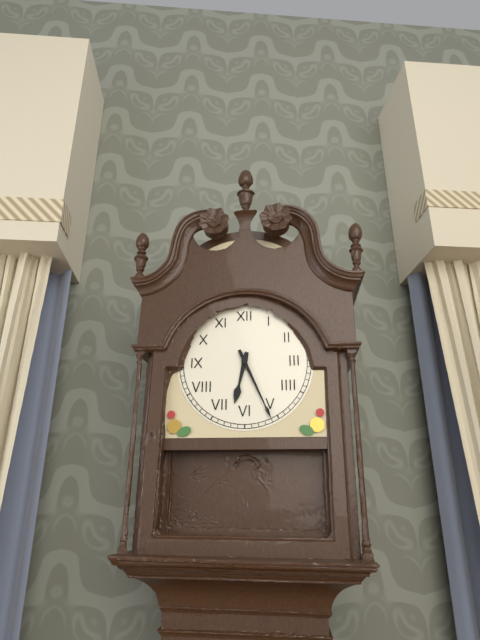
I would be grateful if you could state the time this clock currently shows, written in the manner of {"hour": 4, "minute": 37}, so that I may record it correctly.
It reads {"hour": 6, "minute": 26}
